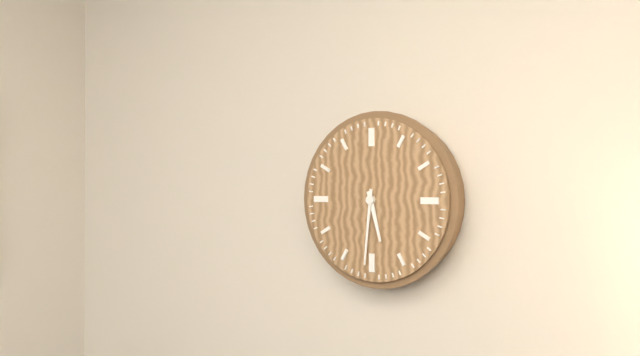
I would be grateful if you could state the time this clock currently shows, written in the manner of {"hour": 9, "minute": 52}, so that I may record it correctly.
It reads {"hour": 5, "minute": 31}
